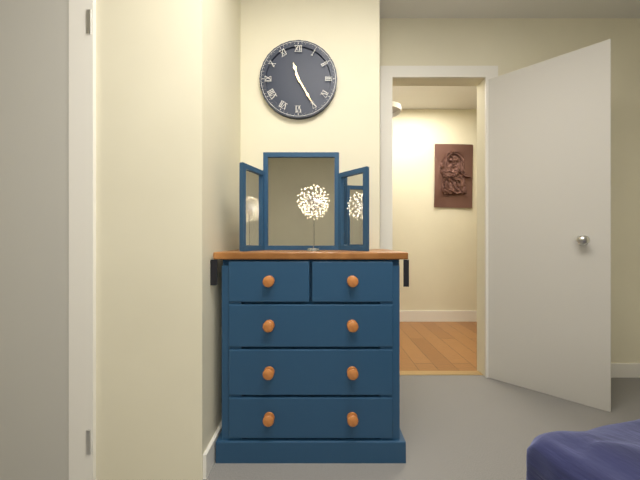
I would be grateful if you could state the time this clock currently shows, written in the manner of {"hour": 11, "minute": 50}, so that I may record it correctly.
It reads {"hour": 11, "minute": 25}
